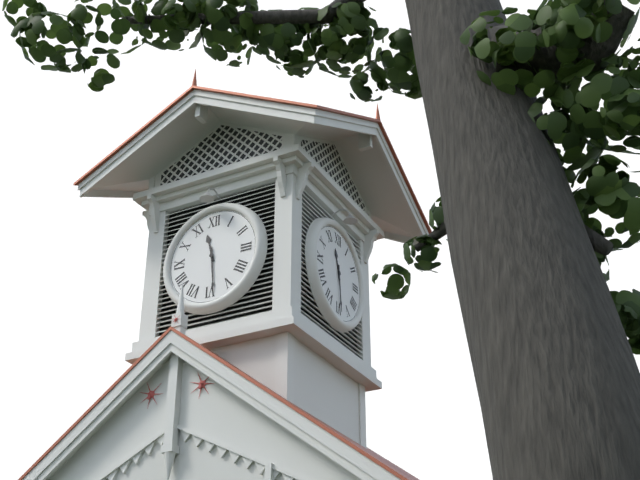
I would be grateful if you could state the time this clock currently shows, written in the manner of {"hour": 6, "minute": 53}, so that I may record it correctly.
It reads {"hour": 11, "minute": 29}
